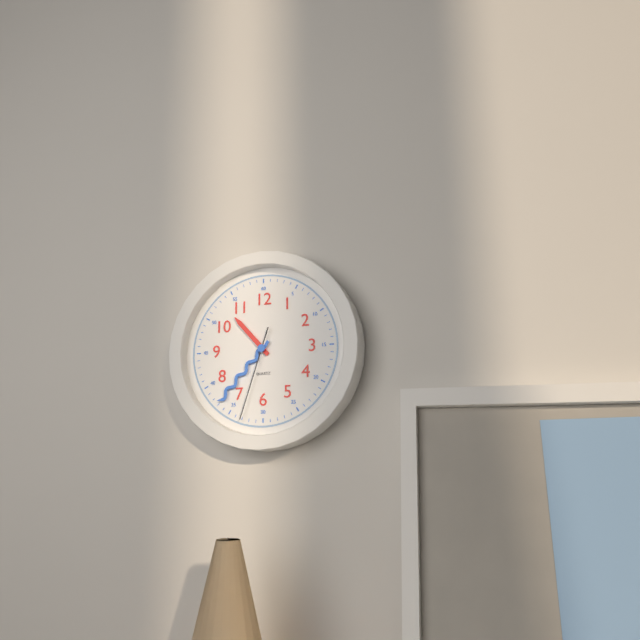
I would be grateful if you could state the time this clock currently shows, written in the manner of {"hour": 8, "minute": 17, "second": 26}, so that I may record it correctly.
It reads {"hour": 10, "minute": 37, "second": 33}
